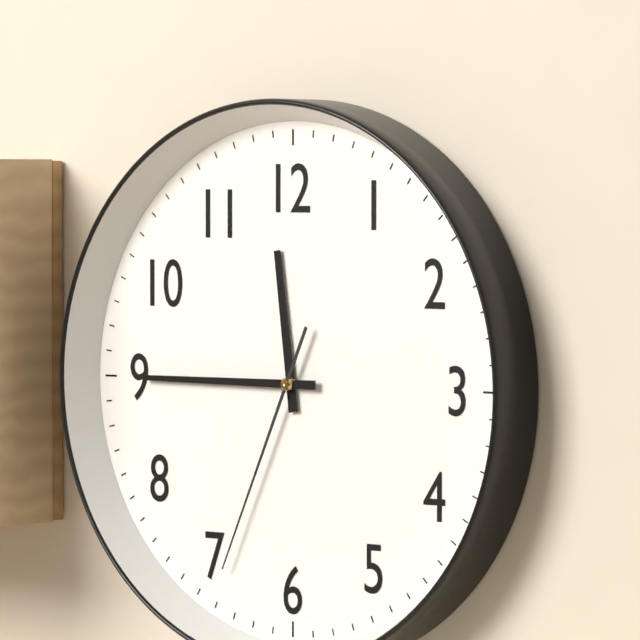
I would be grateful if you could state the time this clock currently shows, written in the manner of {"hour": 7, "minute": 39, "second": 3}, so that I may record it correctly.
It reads {"hour": 11, "minute": 45, "second": 34}
